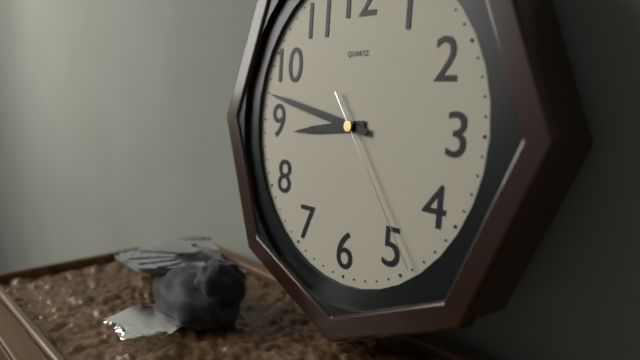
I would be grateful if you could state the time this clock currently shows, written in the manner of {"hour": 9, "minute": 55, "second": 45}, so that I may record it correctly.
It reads {"hour": 8, "minute": 47, "second": 24}
